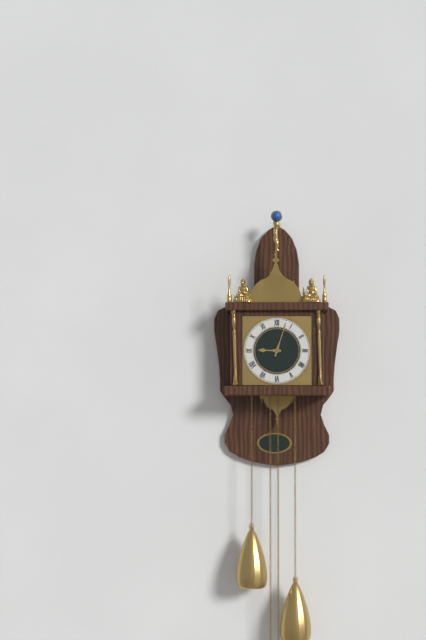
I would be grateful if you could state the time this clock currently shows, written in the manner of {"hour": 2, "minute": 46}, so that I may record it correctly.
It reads {"hour": 9, "minute": 3}
